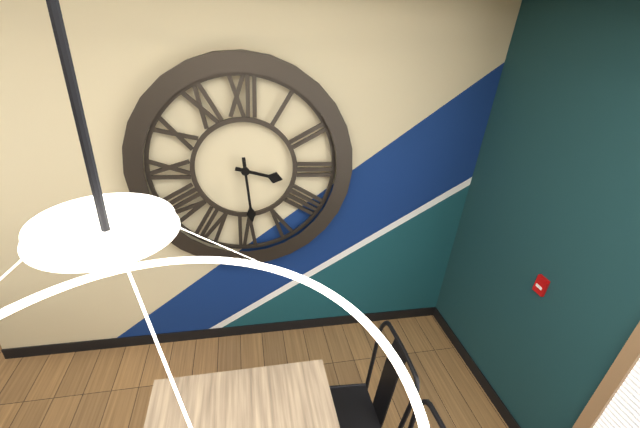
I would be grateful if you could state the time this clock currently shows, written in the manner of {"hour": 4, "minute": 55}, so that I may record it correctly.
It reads {"hour": 3, "minute": 29}
